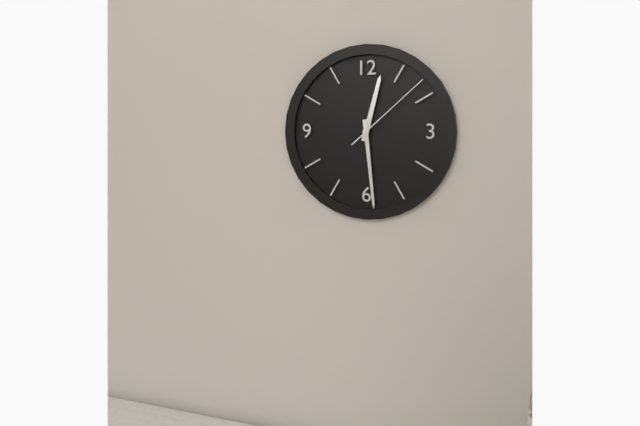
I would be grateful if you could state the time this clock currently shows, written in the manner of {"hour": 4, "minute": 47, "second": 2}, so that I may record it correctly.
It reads {"hour": 12, "minute": 29, "second": 8}
